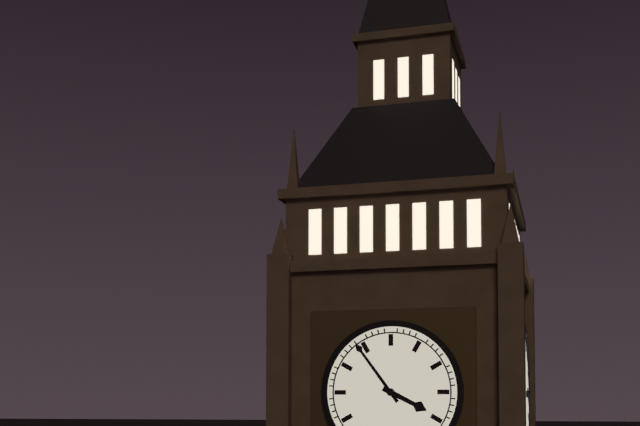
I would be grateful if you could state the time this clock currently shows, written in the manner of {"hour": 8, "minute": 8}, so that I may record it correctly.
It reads {"hour": 3, "minute": 54}
